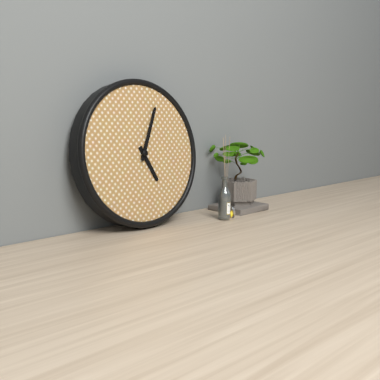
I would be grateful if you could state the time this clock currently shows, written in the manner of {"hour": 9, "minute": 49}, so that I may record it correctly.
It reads {"hour": 5, "minute": 4}
